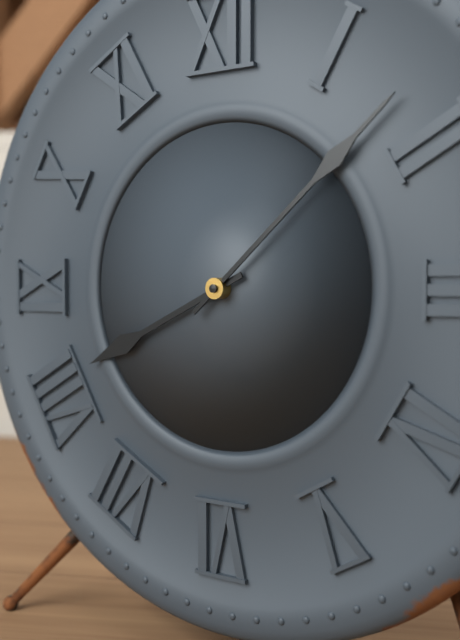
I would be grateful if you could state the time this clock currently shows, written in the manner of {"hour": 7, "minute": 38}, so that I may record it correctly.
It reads {"hour": 8, "minute": 8}
